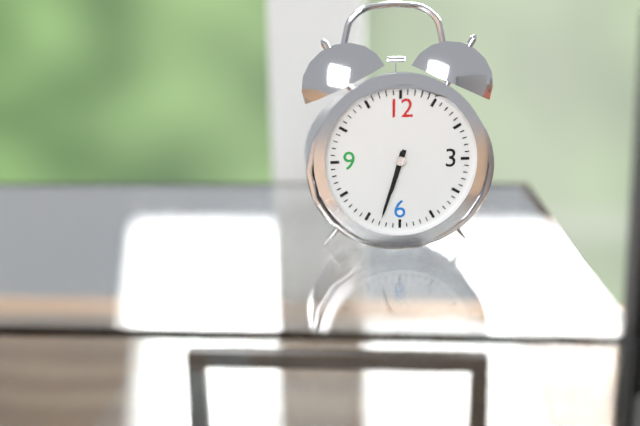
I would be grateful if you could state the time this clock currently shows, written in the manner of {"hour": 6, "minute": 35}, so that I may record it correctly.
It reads {"hour": 6, "minute": 33}
